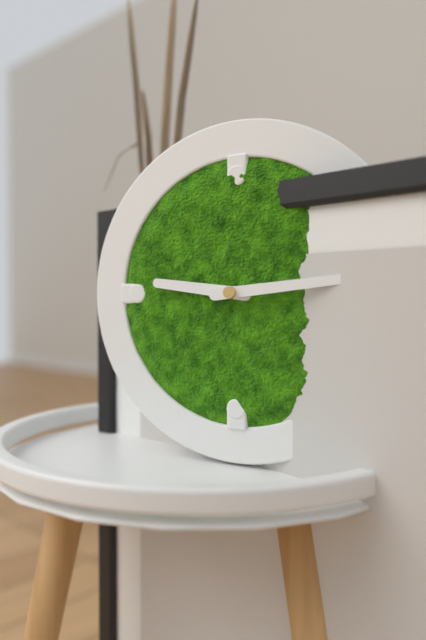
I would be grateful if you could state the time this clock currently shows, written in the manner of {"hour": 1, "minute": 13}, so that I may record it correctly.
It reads {"hour": 9, "minute": 14}
